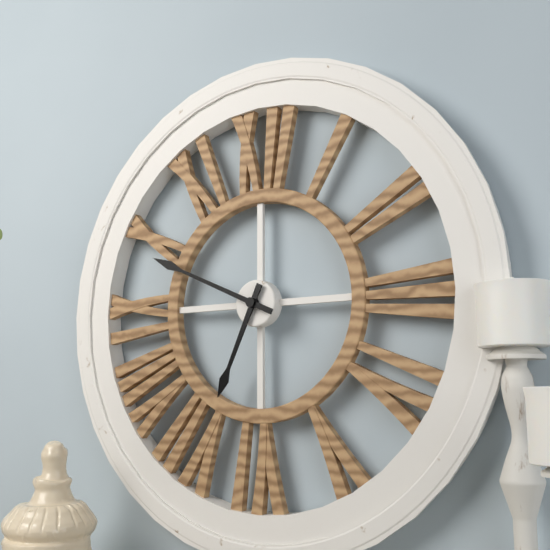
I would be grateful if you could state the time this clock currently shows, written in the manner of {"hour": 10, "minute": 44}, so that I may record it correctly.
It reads {"hour": 6, "minute": 49}
